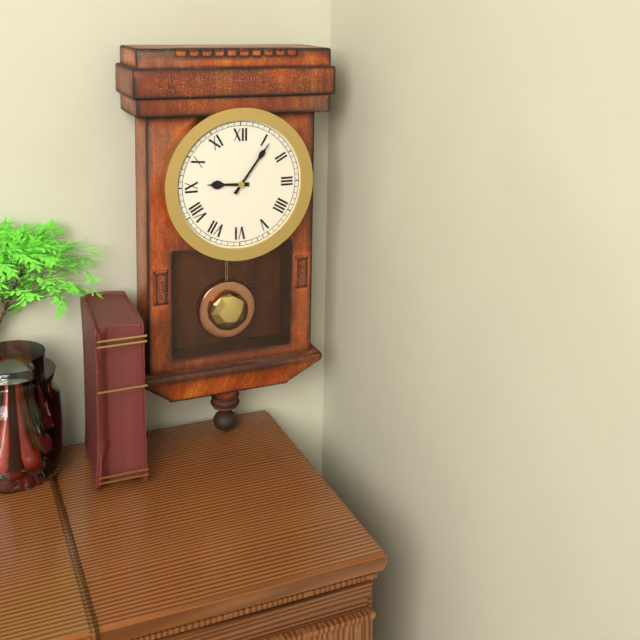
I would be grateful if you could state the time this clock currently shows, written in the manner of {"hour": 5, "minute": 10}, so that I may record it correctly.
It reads {"hour": 9, "minute": 6}
